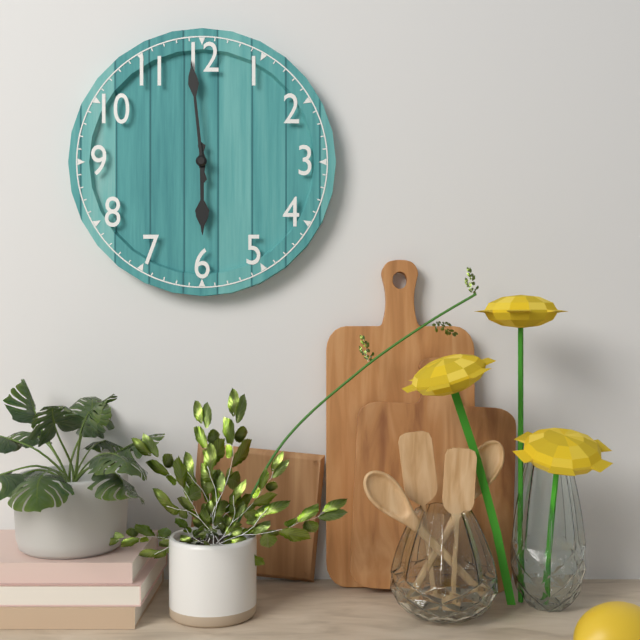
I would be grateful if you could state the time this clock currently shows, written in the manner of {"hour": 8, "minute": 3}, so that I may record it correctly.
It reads {"hour": 5, "minute": 59}
